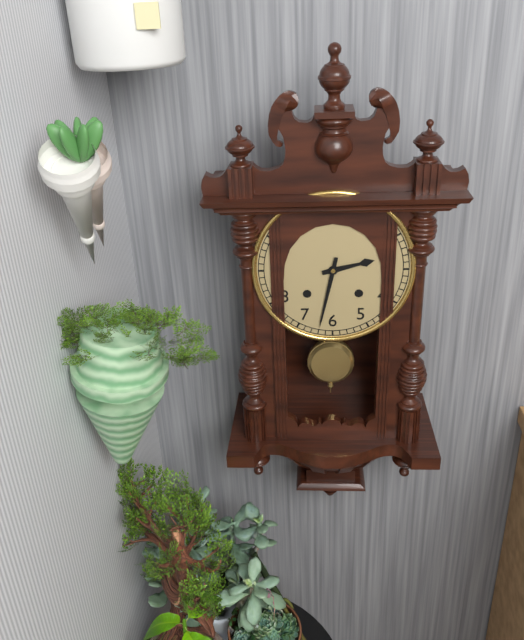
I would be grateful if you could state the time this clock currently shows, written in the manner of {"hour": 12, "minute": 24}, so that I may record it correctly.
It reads {"hour": 2, "minute": 32}
